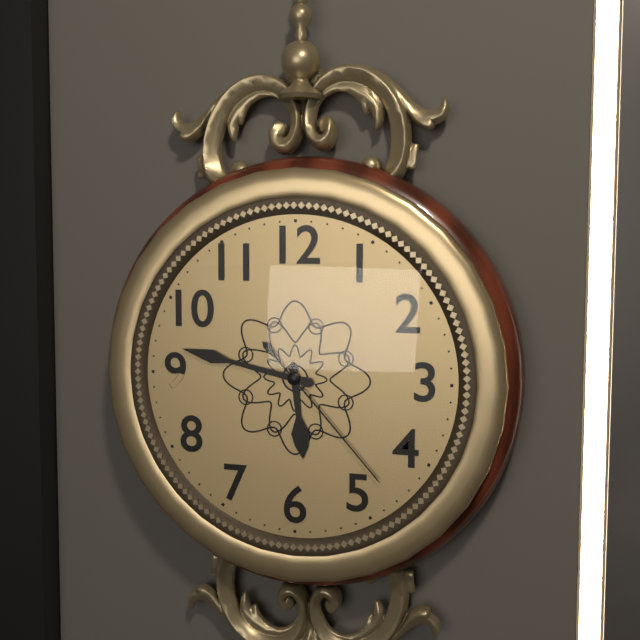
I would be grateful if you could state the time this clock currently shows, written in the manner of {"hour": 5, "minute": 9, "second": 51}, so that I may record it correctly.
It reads {"hour": 5, "minute": 47, "second": 23}
